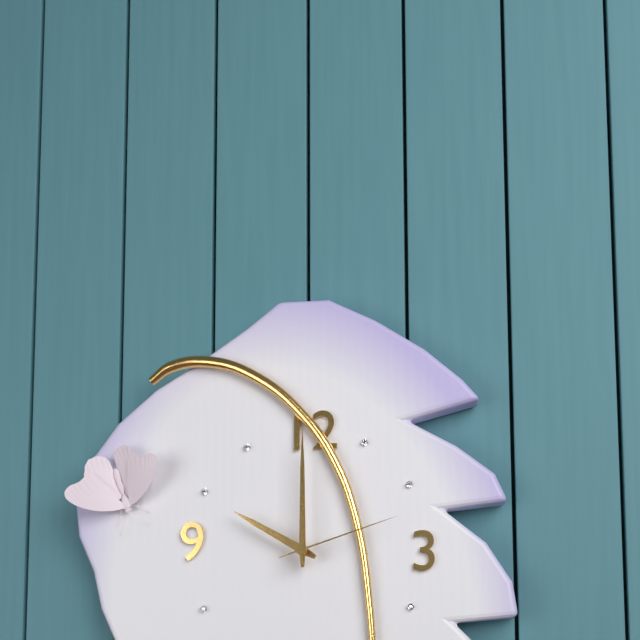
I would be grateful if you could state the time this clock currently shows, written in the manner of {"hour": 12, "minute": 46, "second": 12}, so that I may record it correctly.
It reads {"hour": 10, "minute": 0, "second": 12}
